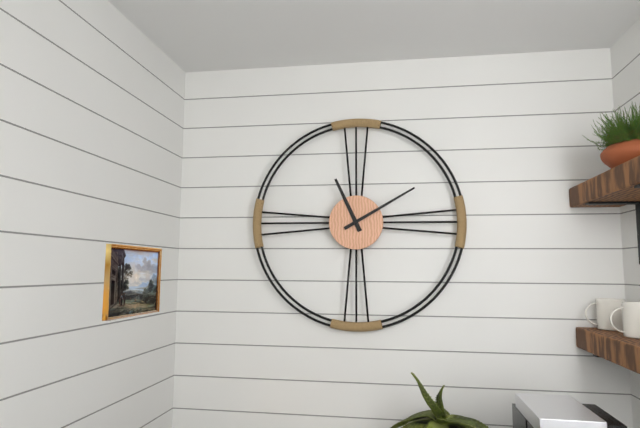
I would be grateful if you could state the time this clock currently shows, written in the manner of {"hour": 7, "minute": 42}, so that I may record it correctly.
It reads {"hour": 11, "minute": 10}
